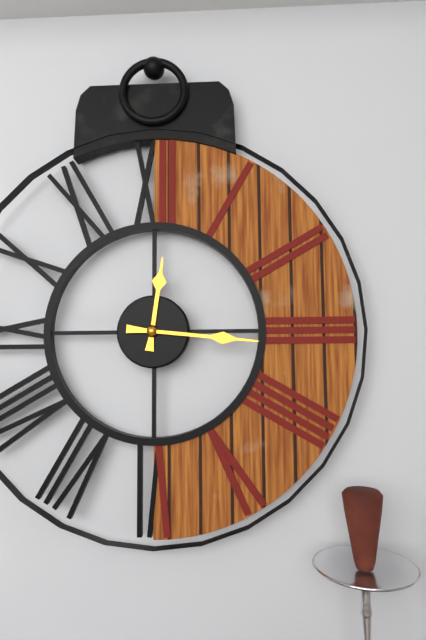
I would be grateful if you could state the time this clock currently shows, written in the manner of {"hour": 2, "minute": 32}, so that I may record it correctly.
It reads {"hour": 12, "minute": 16}
